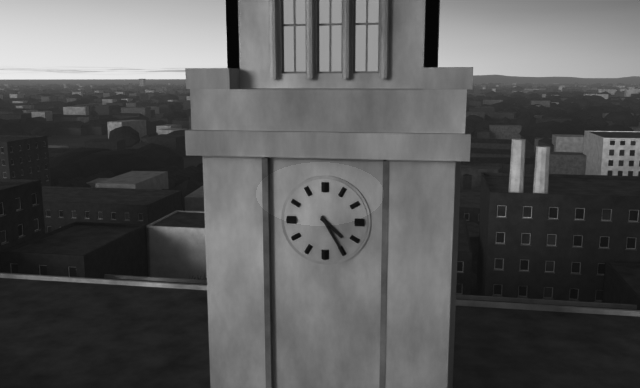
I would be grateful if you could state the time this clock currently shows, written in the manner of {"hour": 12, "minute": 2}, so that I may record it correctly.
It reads {"hour": 4, "minute": 25}
